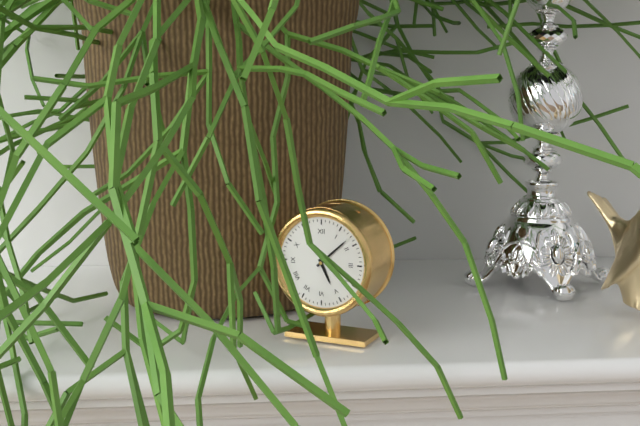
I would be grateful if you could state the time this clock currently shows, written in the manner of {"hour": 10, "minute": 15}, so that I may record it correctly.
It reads {"hour": 5, "minute": 8}
